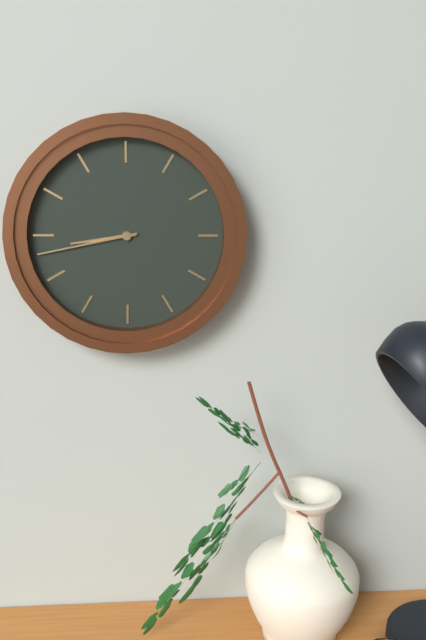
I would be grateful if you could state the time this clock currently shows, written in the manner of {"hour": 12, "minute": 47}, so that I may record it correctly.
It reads {"hour": 8, "minute": 43}
